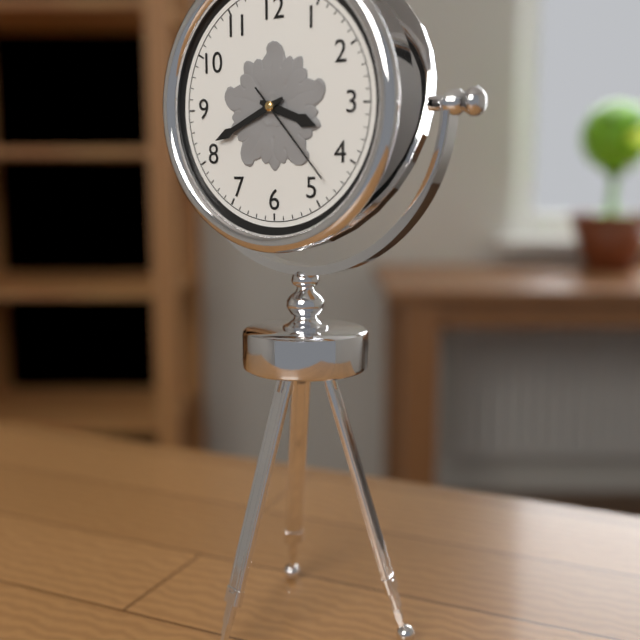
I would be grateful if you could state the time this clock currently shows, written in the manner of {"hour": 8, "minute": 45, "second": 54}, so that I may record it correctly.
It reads {"hour": 3, "minute": 41, "second": 23}
